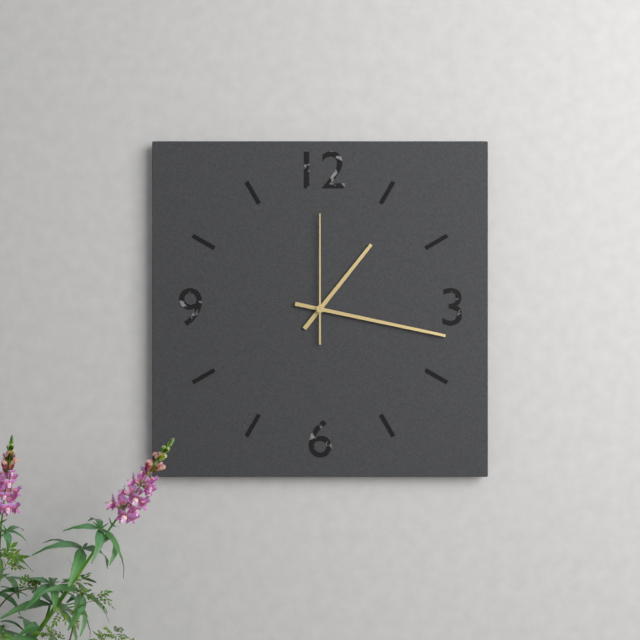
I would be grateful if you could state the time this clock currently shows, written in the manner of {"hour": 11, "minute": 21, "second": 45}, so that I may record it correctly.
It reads {"hour": 1, "minute": 17, "second": 0}
